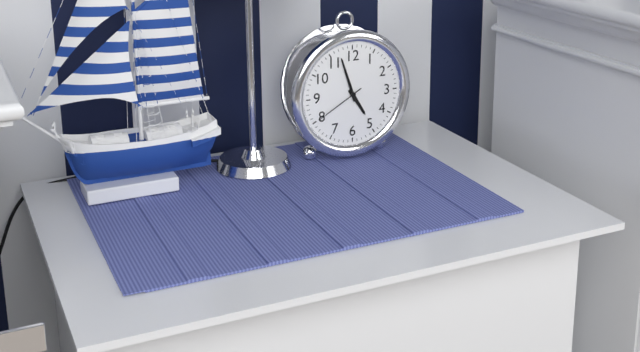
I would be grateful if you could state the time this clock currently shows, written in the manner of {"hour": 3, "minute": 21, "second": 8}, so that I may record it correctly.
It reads {"hour": 4, "minute": 57, "second": 40}
